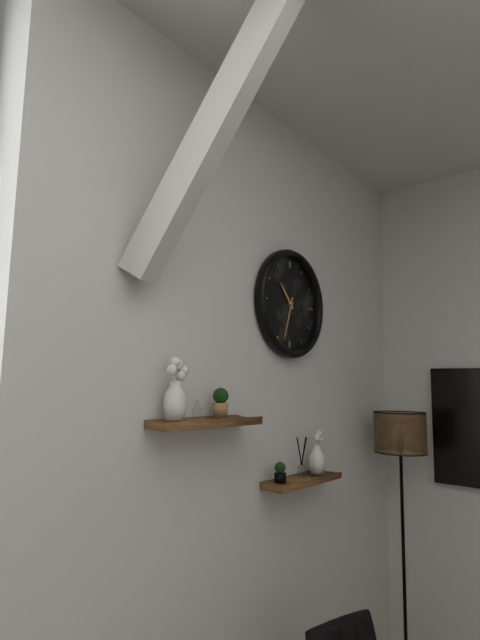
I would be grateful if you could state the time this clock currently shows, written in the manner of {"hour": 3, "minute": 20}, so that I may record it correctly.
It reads {"hour": 10, "minute": 33}
